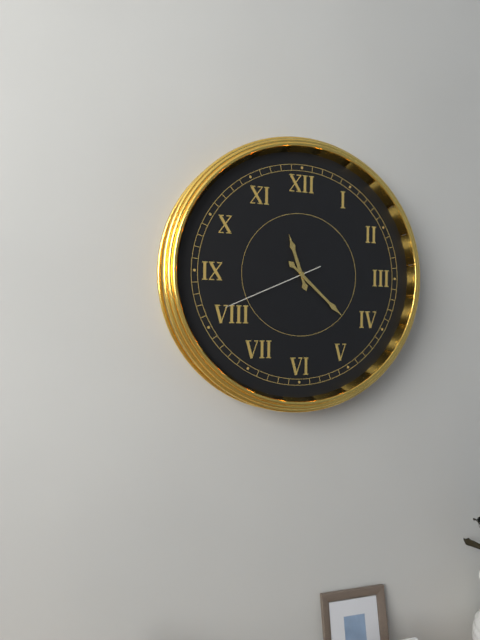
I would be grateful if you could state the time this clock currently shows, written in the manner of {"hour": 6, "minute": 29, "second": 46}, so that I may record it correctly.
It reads {"hour": 11, "minute": 22, "second": 41}
